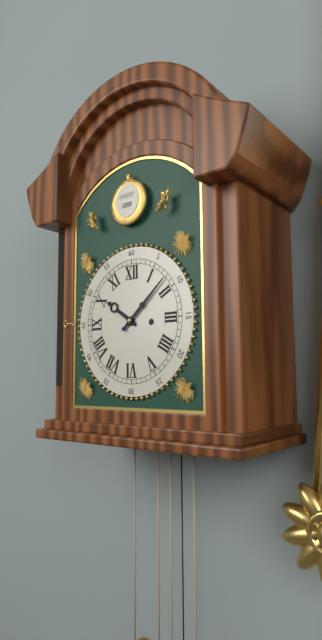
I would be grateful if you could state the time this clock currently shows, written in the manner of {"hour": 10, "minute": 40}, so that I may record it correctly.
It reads {"hour": 10, "minute": 8}
